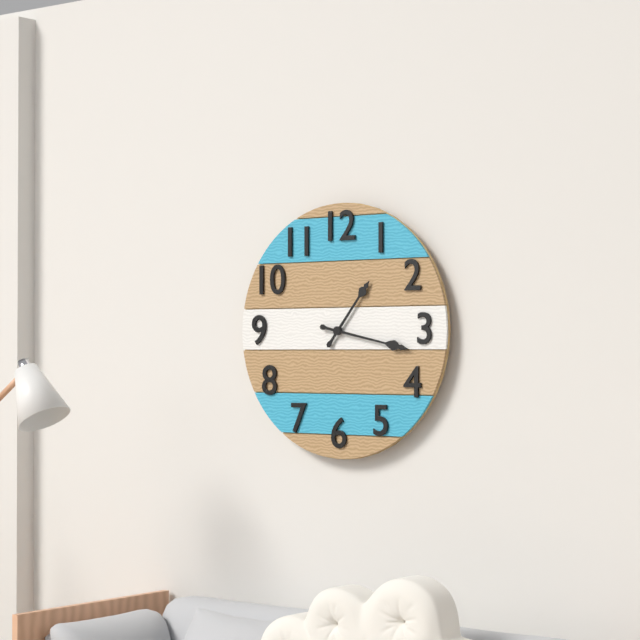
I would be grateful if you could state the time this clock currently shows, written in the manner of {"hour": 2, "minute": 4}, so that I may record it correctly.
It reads {"hour": 1, "minute": 17}
